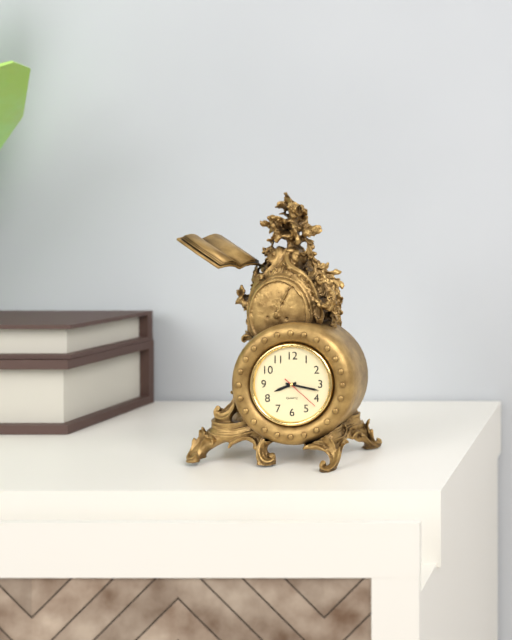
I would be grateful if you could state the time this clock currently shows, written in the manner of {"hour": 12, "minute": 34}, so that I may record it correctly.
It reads {"hour": 8, "minute": 17}
